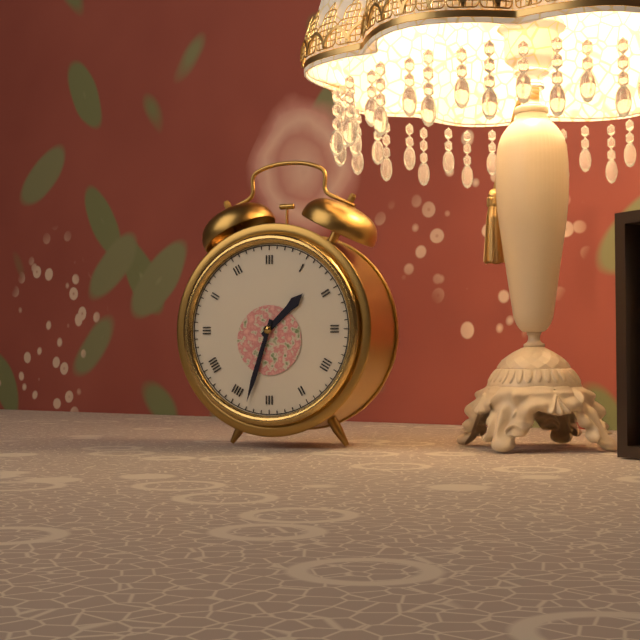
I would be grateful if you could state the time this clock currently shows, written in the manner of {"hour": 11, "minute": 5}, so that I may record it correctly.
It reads {"hour": 1, "minute": 33}
